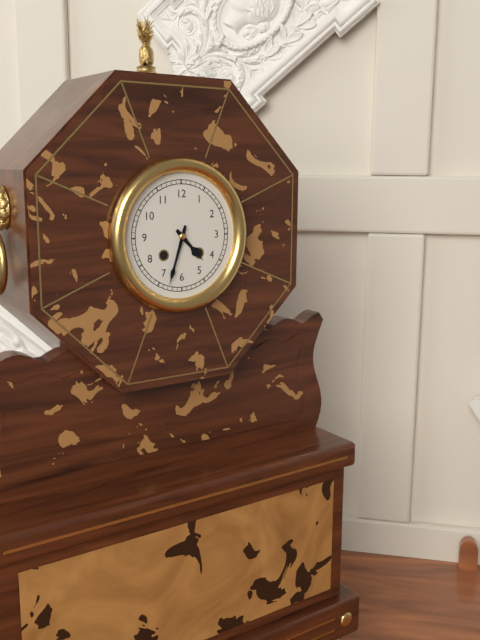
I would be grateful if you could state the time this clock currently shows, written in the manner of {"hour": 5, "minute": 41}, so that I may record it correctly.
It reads {"hour": 4, "minute": 33}
